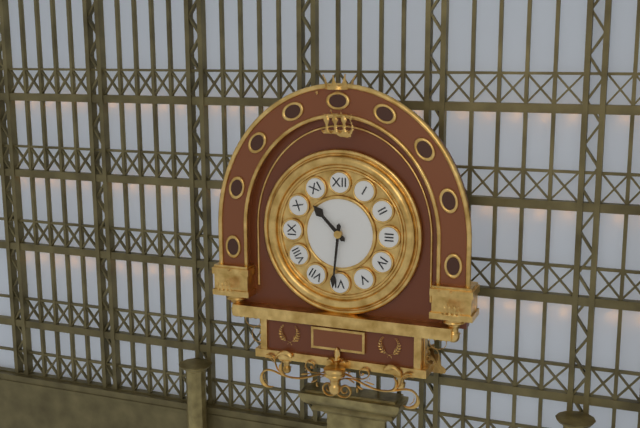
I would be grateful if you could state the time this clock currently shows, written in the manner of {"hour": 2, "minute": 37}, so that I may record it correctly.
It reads {"hour": 10, "minute": 31}
